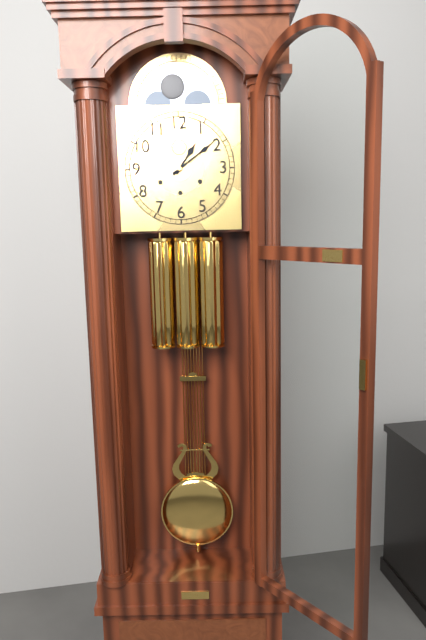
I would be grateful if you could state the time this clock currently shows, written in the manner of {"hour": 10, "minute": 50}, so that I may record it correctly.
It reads {"hour": 1, "minute": 9}
